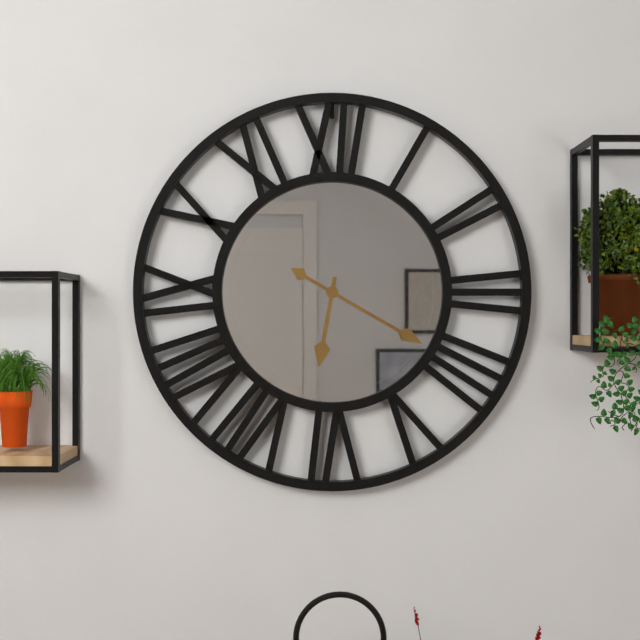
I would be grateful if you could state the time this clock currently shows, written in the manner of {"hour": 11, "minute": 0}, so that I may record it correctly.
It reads {"hour": 6, "minute": 20}
